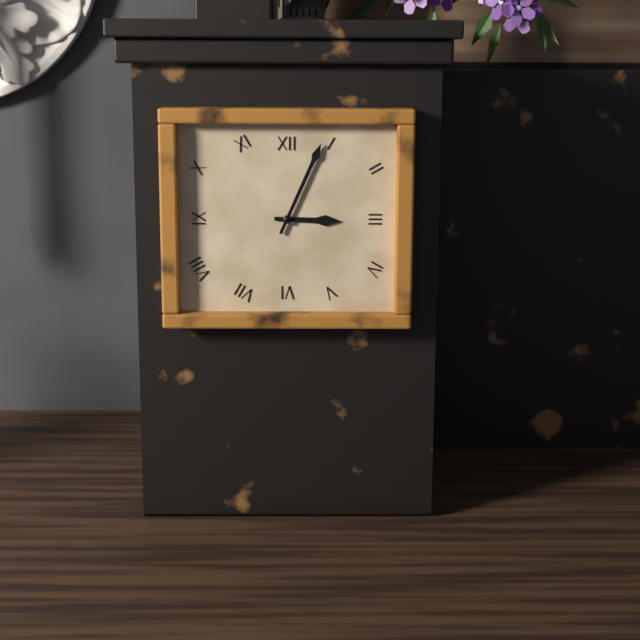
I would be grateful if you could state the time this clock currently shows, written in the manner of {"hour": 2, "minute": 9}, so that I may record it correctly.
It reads {"hour": 3, "minute": 4}
